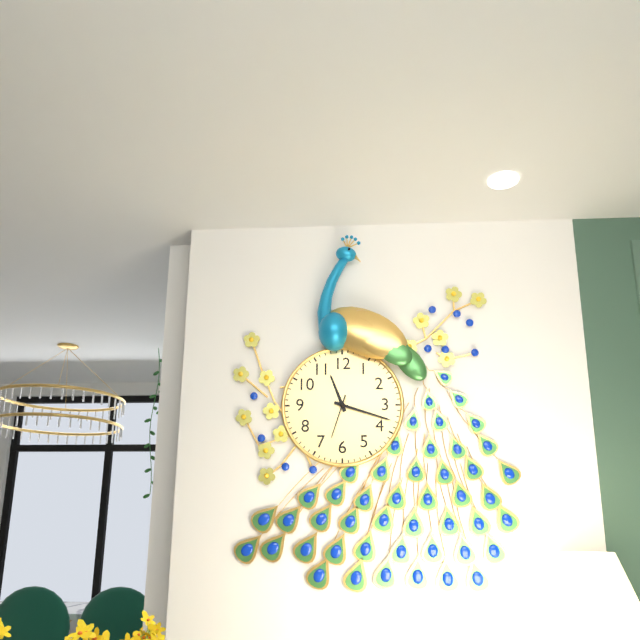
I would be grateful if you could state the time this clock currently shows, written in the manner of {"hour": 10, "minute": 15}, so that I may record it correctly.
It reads {"hour": 11, "minute": 18}
